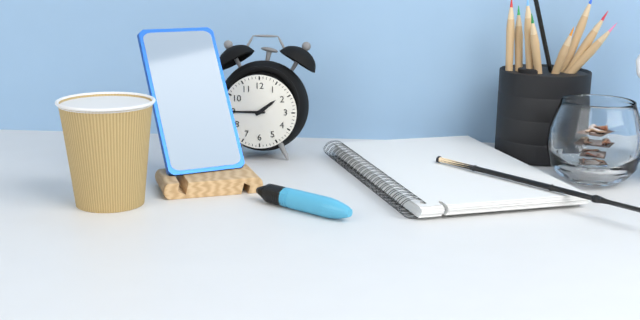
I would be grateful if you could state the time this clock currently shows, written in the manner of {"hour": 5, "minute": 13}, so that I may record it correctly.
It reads {"hour": 1, "minute": 45}
